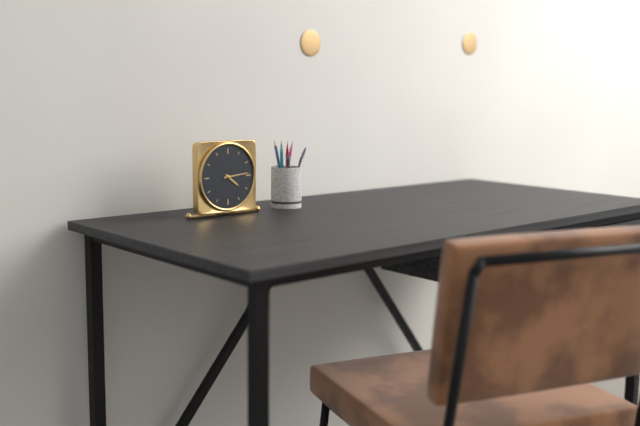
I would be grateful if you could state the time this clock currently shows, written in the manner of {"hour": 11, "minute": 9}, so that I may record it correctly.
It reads {"hour": 4, "minute": 14}
